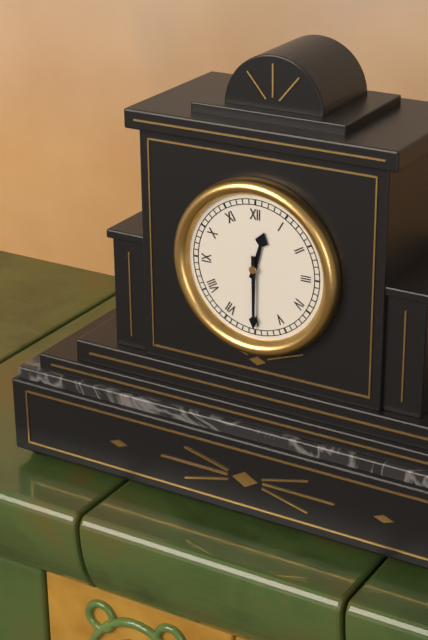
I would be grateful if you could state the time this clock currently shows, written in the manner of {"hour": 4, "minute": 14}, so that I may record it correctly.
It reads {"hour": 12, "minute": 30}
